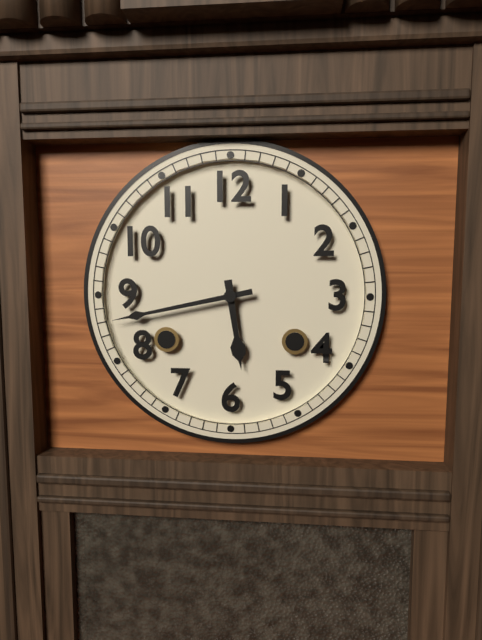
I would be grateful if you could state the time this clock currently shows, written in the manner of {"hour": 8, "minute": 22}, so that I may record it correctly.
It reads {"hour": 5, "minute": 43}
